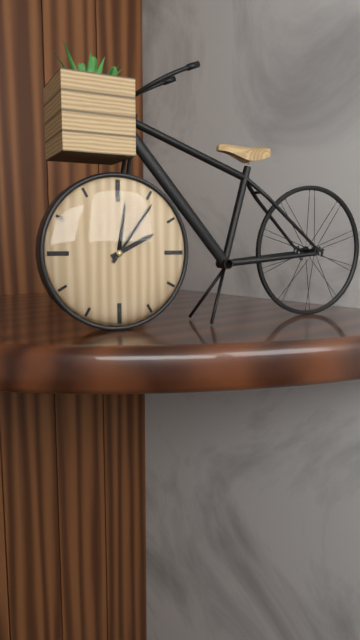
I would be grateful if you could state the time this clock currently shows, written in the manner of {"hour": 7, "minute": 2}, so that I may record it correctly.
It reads {"hour": 2, "minute": 6}
